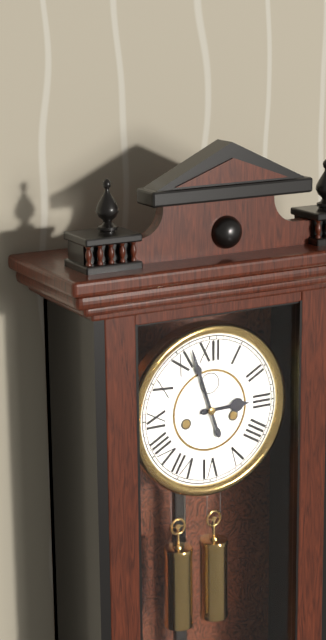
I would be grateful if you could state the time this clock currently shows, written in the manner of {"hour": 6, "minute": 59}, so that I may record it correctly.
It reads {"hour": 2, "minute": 57}
